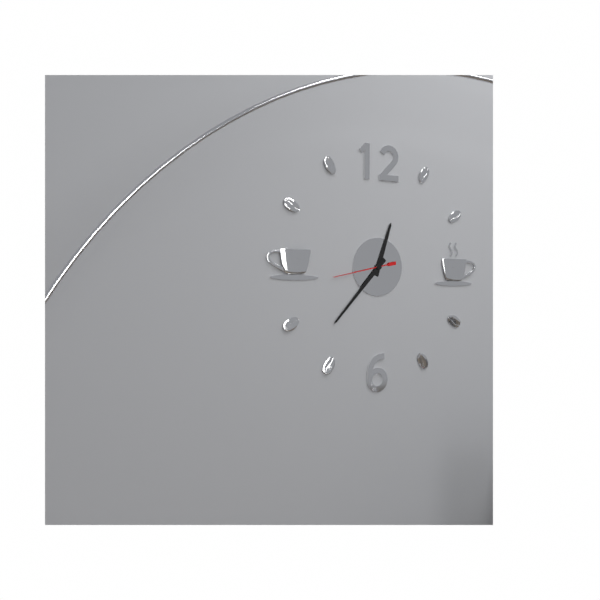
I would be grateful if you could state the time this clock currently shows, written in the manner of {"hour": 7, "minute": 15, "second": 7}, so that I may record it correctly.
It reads {"hour": 12, "minute": 37, "second": 43}
